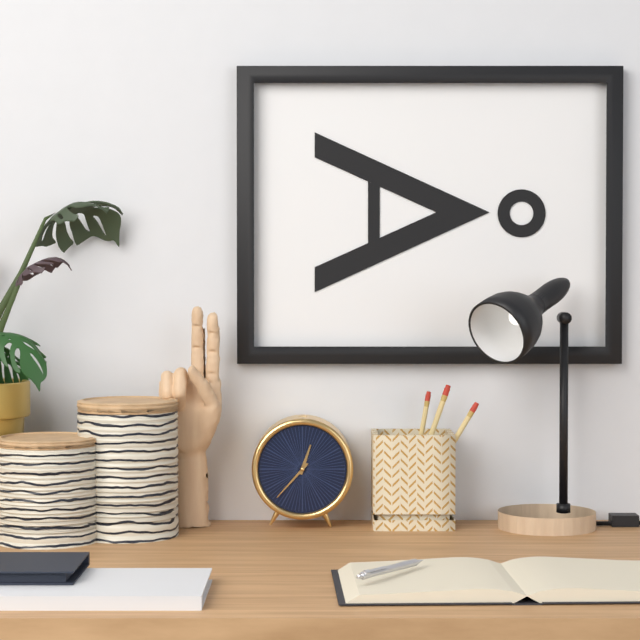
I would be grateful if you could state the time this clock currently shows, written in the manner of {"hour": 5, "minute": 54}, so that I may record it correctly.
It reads {"hour": 12, "minute": 37}
